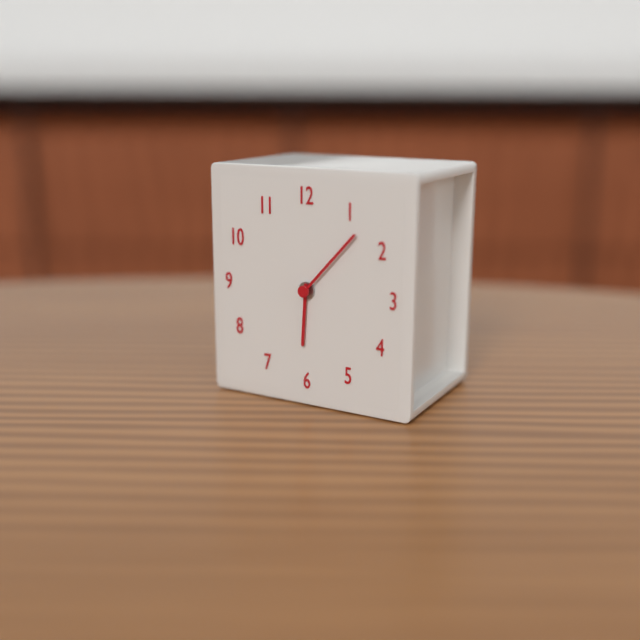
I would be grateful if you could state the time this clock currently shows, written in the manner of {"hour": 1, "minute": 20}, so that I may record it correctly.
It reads {"hour": 6, "minute": 7}
